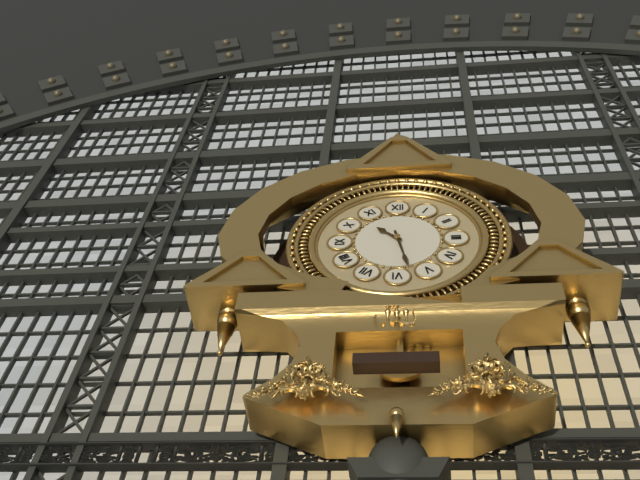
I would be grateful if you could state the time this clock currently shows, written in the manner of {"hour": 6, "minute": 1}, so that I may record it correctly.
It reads {"hour": 10, "minute": 28}
